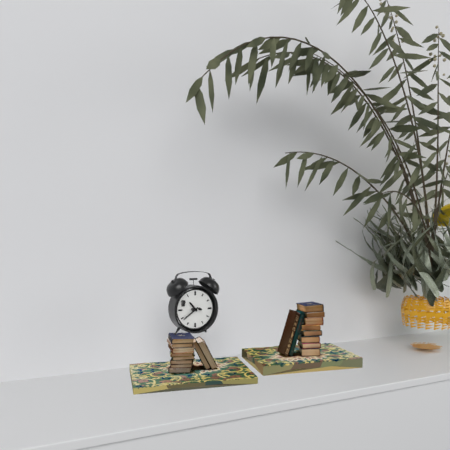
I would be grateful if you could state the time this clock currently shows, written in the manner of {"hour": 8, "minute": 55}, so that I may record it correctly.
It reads {"hour": 10, "minute": 39}
